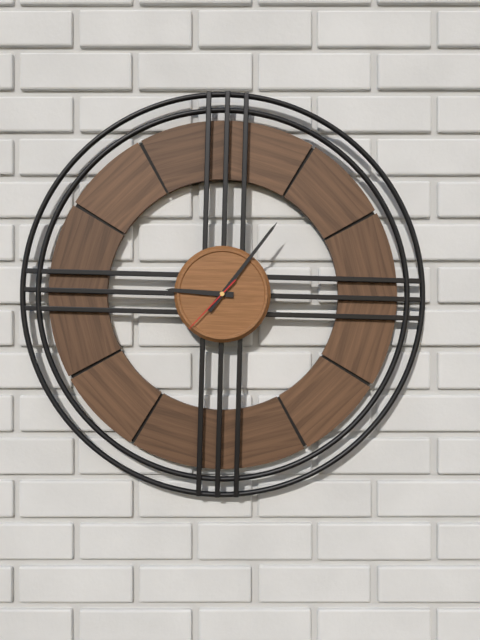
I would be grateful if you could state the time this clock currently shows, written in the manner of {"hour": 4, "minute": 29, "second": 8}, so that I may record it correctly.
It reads {"hour": 9, "minute": 6, "second": 37}
